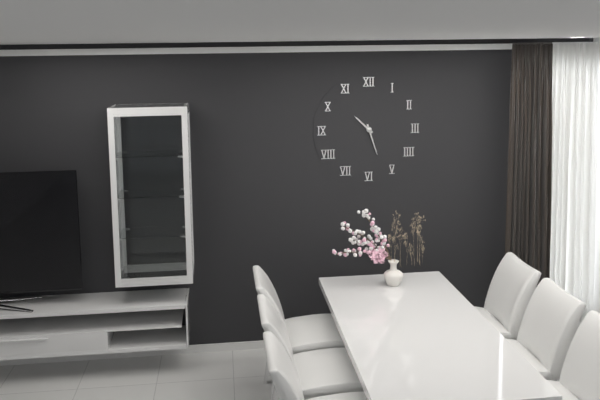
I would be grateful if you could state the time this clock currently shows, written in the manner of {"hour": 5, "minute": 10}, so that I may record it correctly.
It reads {"hour": 10, "minute": 27}
